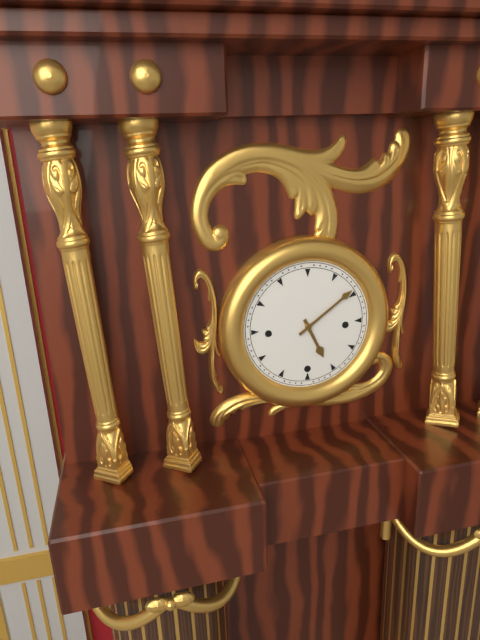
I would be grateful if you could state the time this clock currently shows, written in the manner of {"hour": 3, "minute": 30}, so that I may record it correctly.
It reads {"hour": 5, "minute": 9}
